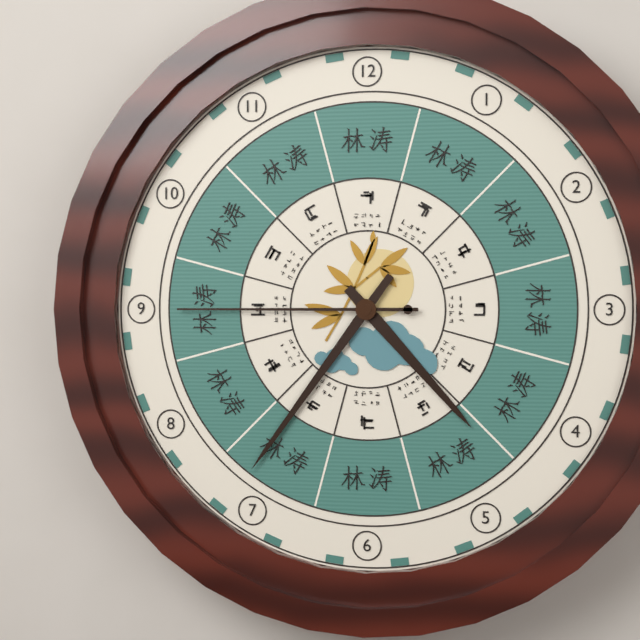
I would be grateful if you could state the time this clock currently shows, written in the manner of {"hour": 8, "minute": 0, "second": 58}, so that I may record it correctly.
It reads {"hour": 4, "minute": 36, "second": 45}
